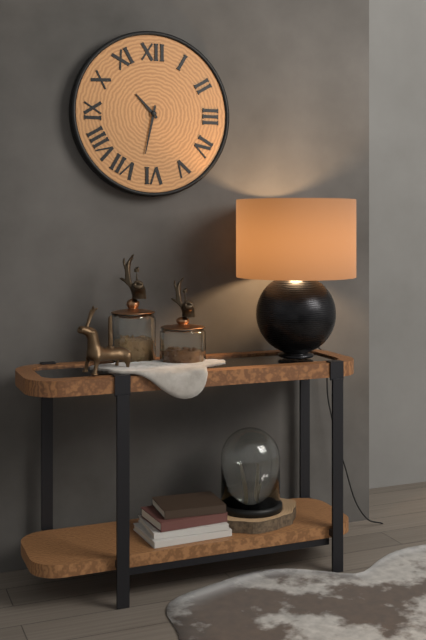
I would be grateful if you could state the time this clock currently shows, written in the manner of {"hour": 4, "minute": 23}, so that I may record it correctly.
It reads {"hour": 10, "minute": 32}
